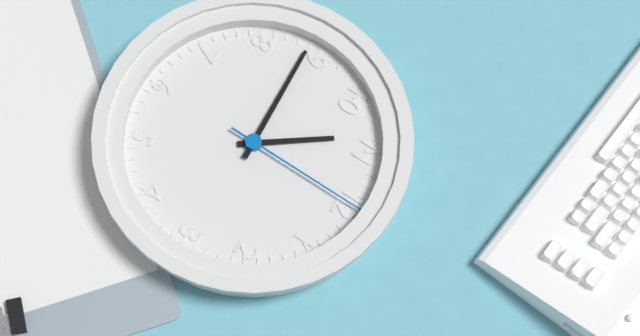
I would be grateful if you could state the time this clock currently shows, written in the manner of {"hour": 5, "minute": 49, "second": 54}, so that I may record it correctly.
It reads {"hour": 10, "minute": 44, "second": 0}
